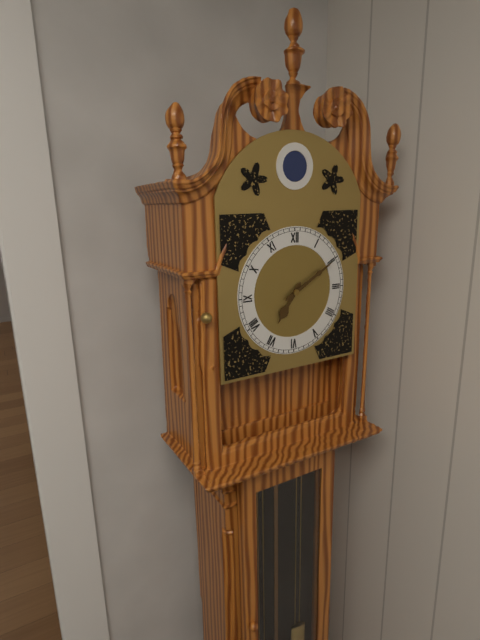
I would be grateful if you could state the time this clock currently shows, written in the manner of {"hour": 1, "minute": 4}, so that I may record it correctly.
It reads {"hour": 7, "minute": 10}
